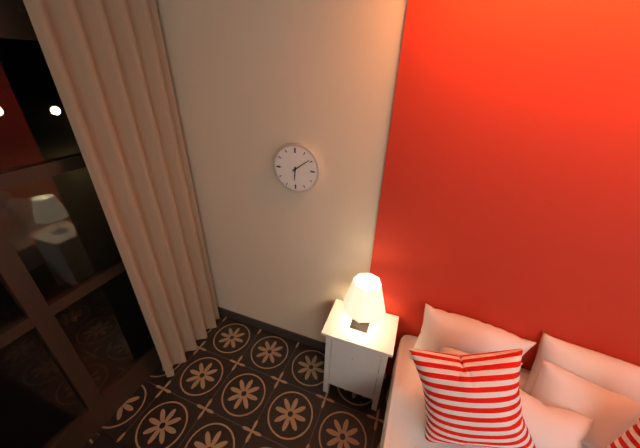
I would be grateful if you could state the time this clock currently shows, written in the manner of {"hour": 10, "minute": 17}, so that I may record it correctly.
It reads {"hour": 6, "minute": 9}
